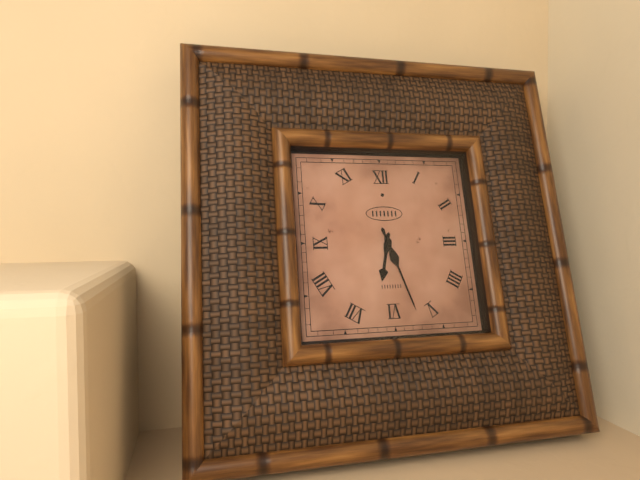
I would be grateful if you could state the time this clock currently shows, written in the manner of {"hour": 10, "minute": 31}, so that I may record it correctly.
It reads {"hour": 6, "minute": 27}
